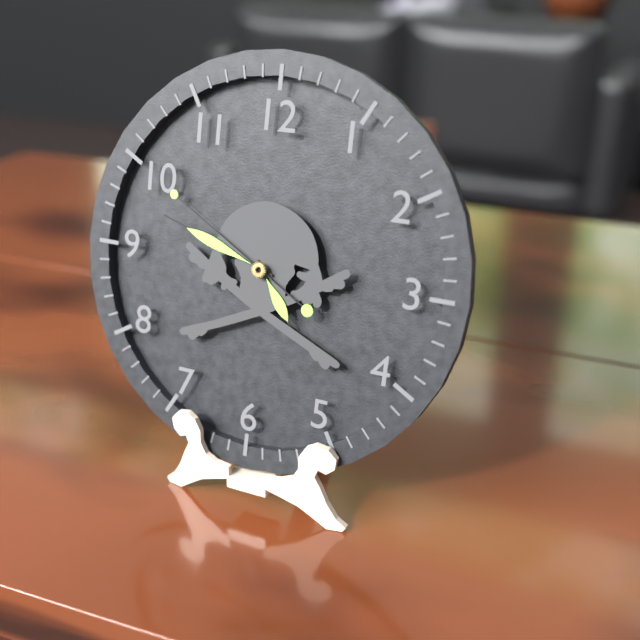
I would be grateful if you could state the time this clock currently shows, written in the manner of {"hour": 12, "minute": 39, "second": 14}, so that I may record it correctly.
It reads {"hour": 4, "minute": 48, "second": 50}
